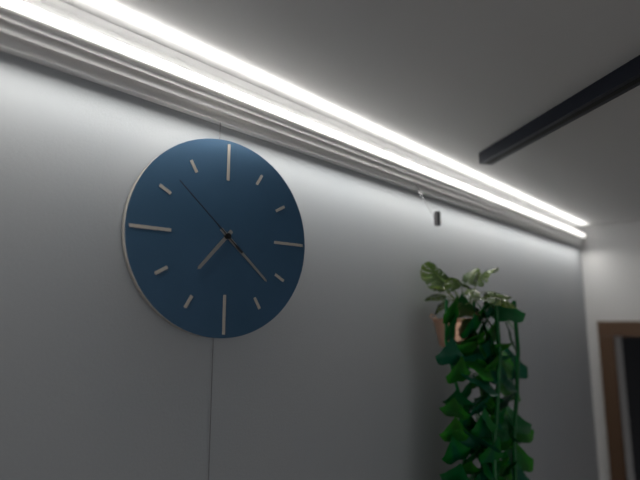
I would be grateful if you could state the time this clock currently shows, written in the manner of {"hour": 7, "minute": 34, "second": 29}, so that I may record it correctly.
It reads {"hour": 7, "minute": 22, "second": 52}
